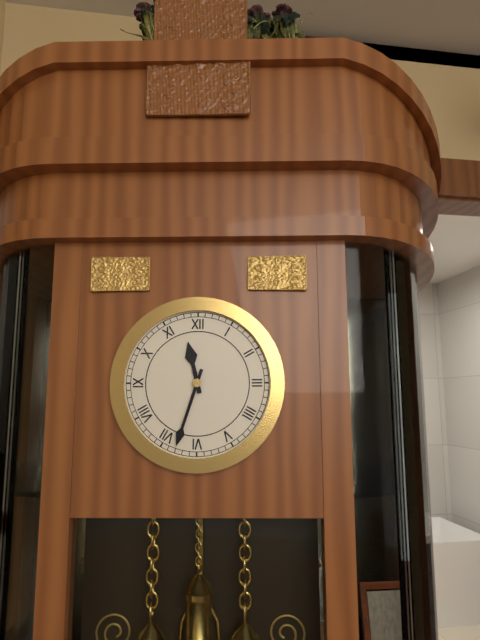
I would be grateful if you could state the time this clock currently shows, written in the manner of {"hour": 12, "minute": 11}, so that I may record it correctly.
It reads {"hour": 11, "minute": 33}
